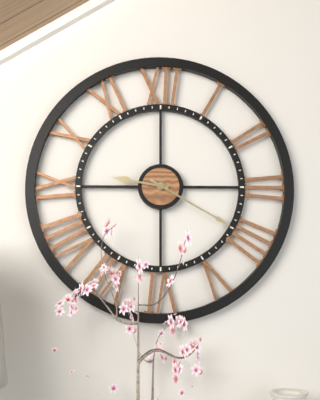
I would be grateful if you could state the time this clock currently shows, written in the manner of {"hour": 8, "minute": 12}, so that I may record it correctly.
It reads {"hour": 9, "minute": 20}
